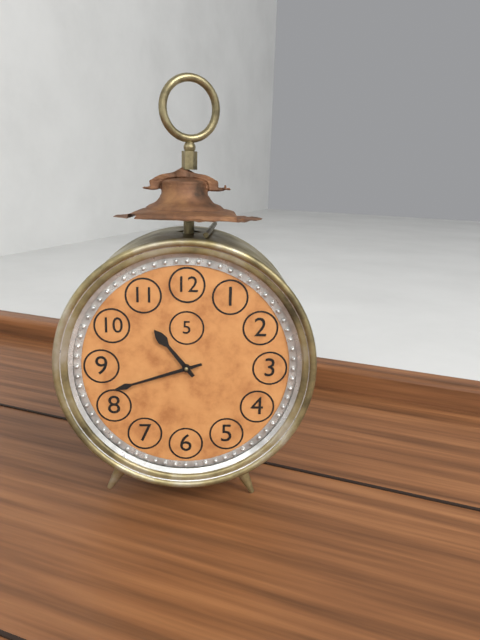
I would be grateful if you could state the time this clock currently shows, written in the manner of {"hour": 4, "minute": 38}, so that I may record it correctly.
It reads {"hour": 10, "minute": 42}
